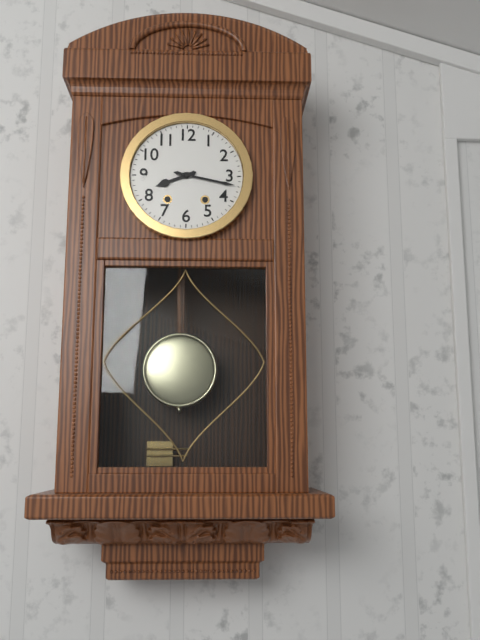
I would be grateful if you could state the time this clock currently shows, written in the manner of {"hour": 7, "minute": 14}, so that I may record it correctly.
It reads {"hour": 8, "minute": 17}
